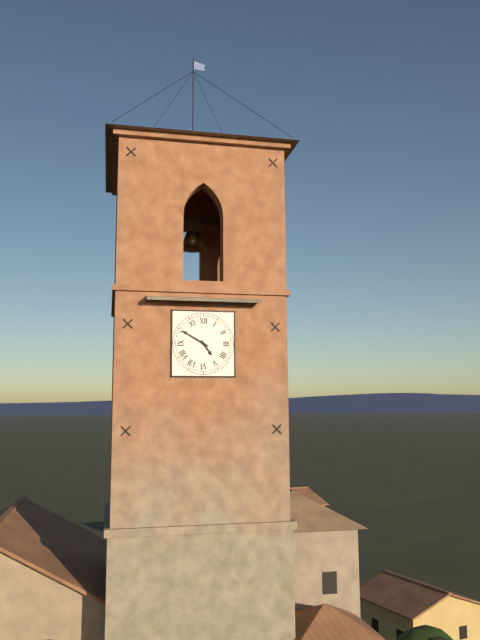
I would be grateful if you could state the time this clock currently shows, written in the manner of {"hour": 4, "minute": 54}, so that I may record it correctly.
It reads {"hour": 4, "minute": 50}
